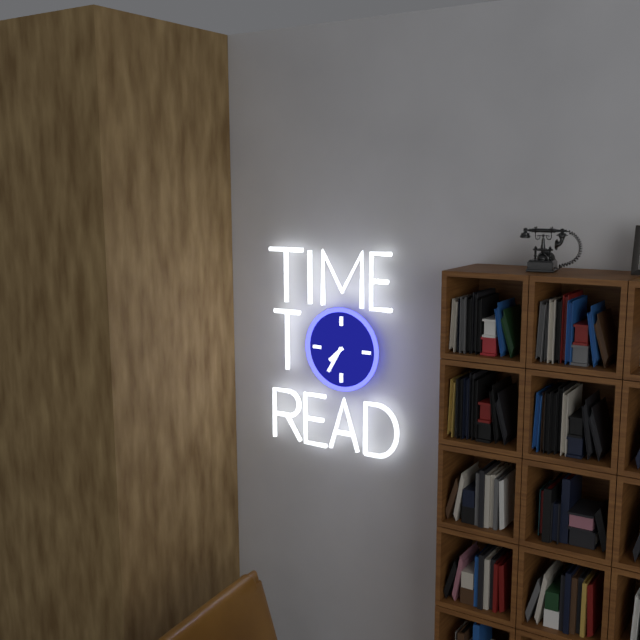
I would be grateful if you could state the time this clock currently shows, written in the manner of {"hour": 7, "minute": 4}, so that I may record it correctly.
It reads {"hour": 7, "minute": 35}
